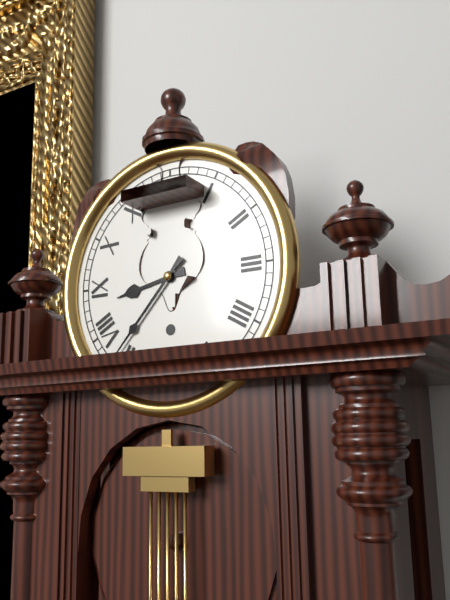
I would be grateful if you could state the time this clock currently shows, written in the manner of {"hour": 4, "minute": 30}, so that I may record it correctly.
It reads {"hour": 8, "minute": 37}
